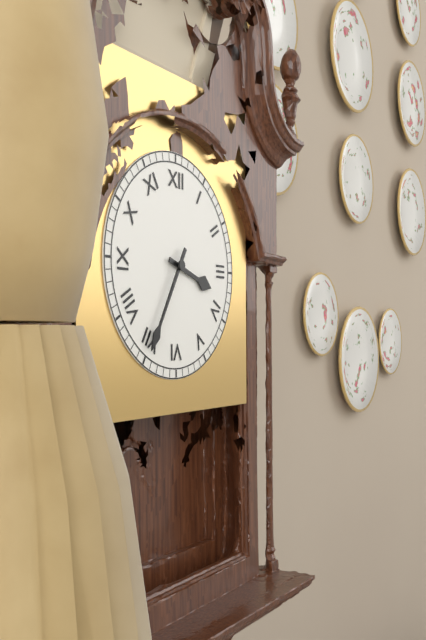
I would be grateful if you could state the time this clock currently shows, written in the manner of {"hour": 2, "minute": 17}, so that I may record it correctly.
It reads {"hour": 3, "minute": 35}
